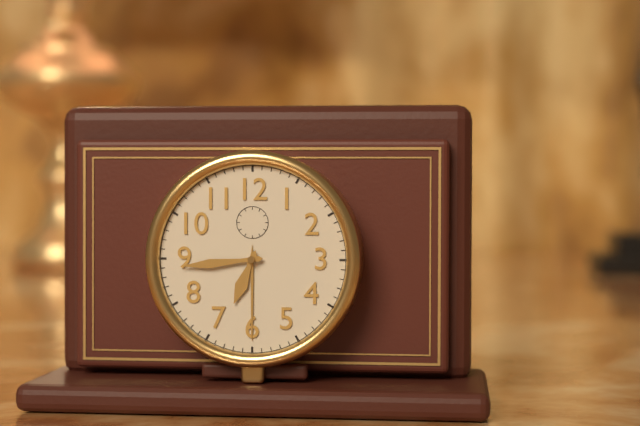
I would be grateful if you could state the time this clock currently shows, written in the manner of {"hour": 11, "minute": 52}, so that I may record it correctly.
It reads {"hour": 6, "minute": 44}
